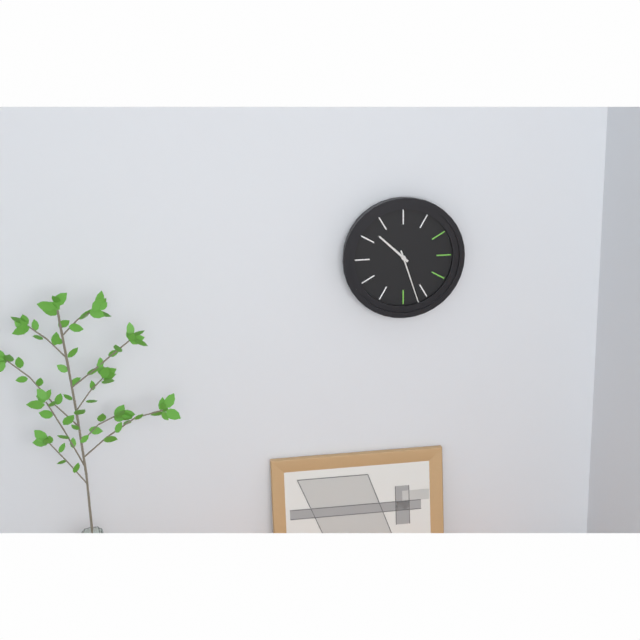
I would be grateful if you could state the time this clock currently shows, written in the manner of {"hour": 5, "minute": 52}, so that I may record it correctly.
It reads {"hour": 10, "minute": 27}
